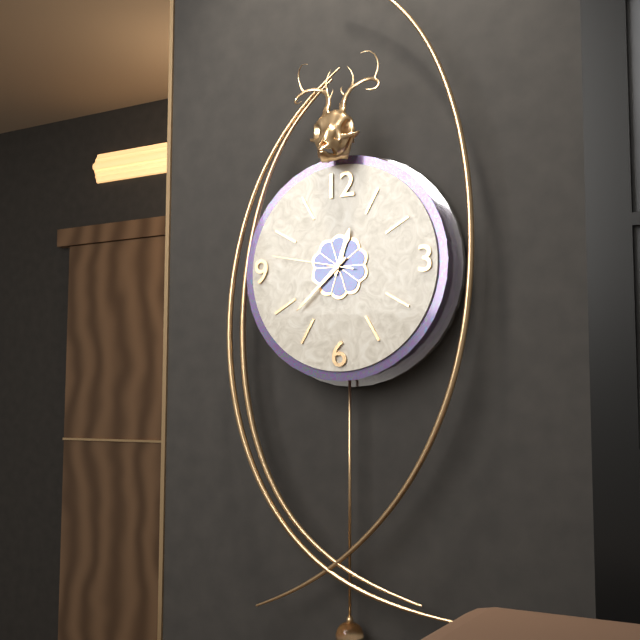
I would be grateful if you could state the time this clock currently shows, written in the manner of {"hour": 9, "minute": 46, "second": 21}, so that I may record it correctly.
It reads {"hour": 12, "minute": 38, "second": 47}
